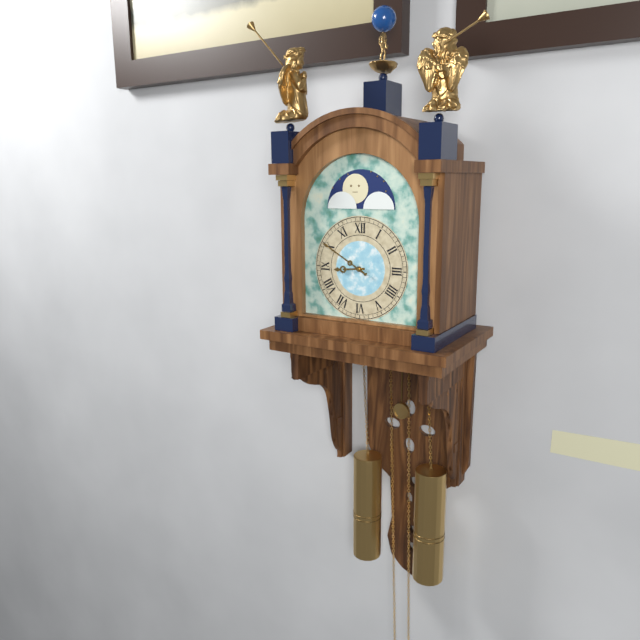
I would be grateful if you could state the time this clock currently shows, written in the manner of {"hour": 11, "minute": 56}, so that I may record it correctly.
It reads {"hour": 8, "minute": 50}
